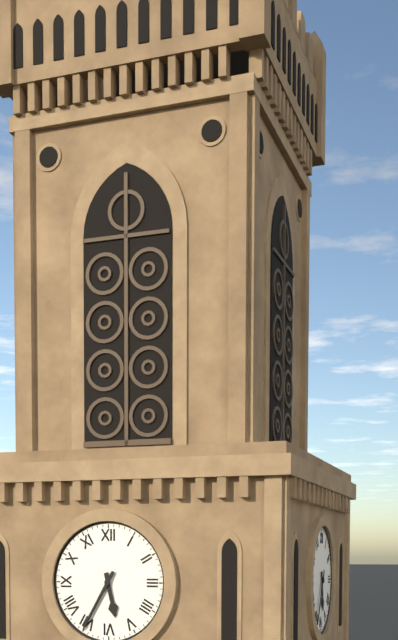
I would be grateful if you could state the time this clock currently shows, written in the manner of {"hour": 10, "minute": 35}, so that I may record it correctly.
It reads {"hour": 5, "minute": 35}
